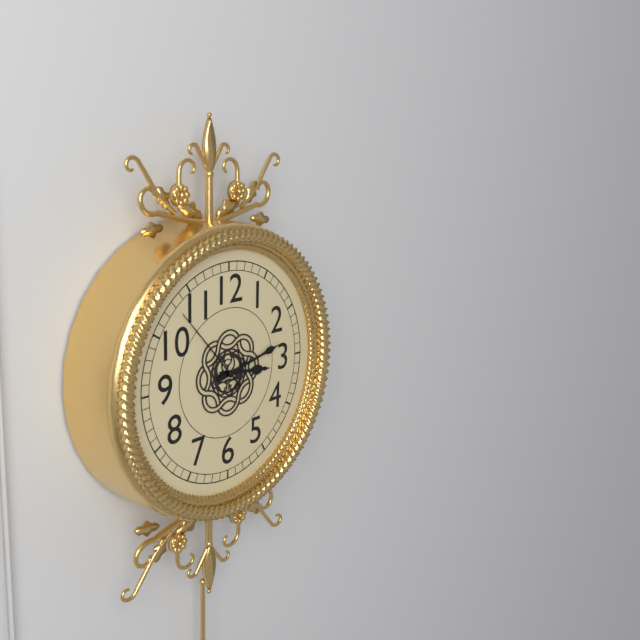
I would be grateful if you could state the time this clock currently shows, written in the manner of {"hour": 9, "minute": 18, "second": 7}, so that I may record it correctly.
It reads {"hour": 3, "minute": 13, "second": 53}
